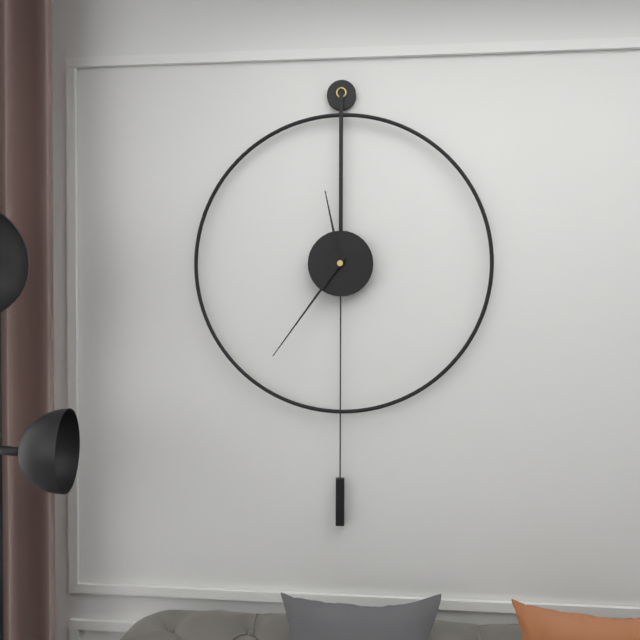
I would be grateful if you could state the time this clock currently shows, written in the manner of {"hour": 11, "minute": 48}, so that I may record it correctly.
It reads {"hour": 11, "minute": 36}
